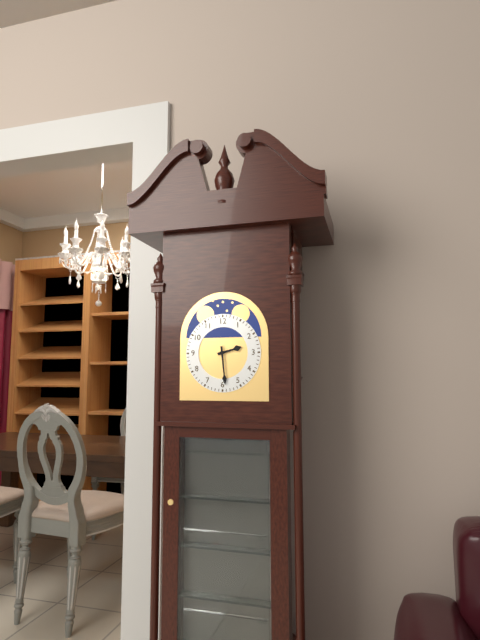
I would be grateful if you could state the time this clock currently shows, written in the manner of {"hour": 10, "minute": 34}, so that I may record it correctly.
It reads {"hour": 2, "minute": 29}
